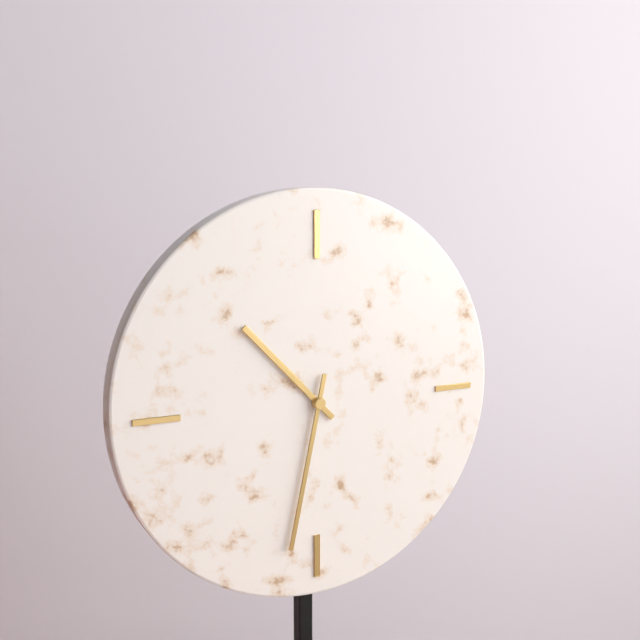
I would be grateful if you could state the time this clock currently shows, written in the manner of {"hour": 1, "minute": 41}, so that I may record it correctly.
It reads {"hour": 10, "minute": 32}
